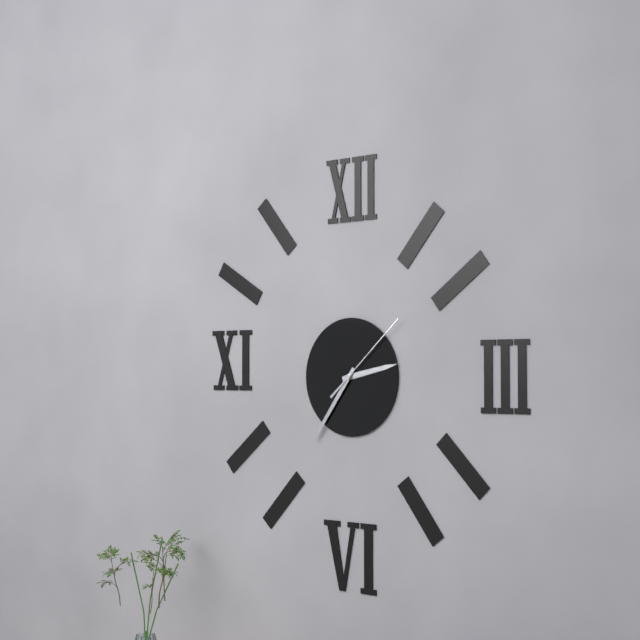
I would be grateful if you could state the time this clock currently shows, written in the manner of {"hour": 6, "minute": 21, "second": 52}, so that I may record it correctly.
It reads {"hour": 2, "minute": 36, "second": 8}
